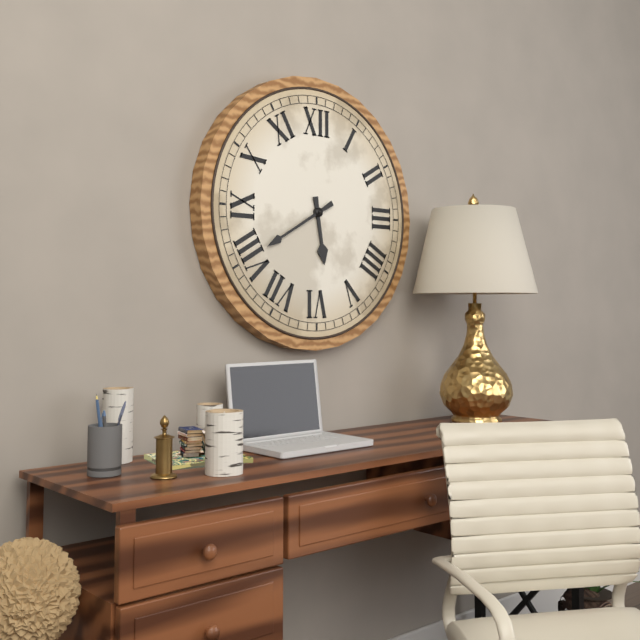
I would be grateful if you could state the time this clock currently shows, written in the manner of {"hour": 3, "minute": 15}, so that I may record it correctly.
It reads {"hour": 5, "minute": 40}
